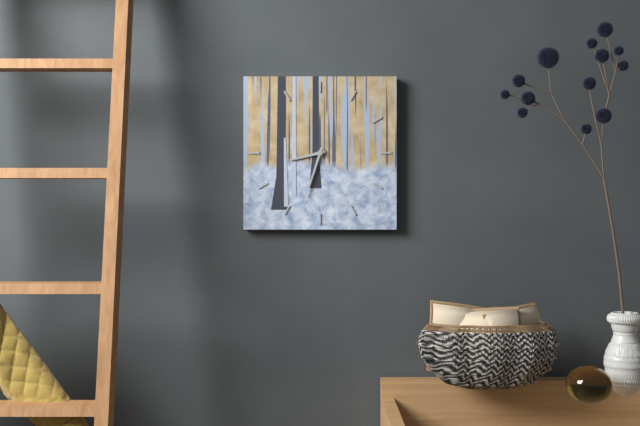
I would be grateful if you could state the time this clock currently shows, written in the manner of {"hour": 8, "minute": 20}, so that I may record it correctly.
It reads {"hour": 8, "minute": 33}
